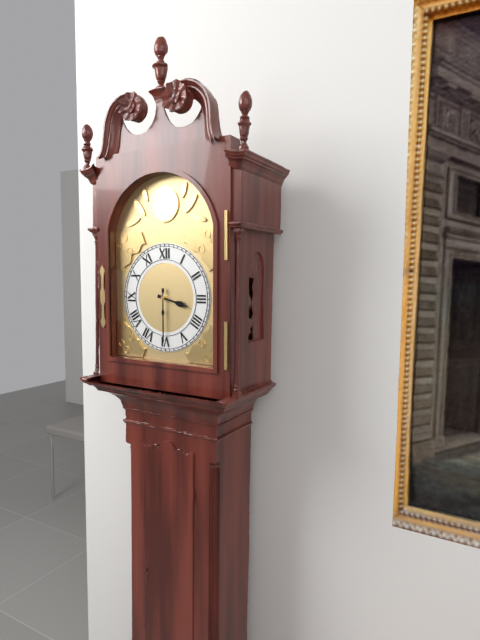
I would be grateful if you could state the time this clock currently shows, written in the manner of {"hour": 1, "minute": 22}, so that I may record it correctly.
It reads {"hour": 3, "minute": 30}
